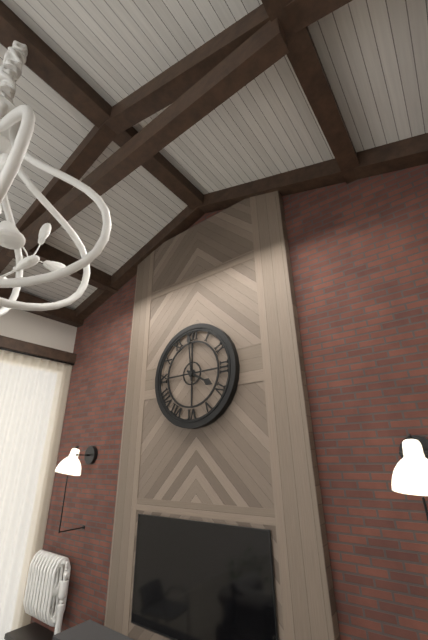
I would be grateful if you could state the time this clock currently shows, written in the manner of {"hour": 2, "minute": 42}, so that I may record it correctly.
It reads {"hour": 3, "minute": 59}
